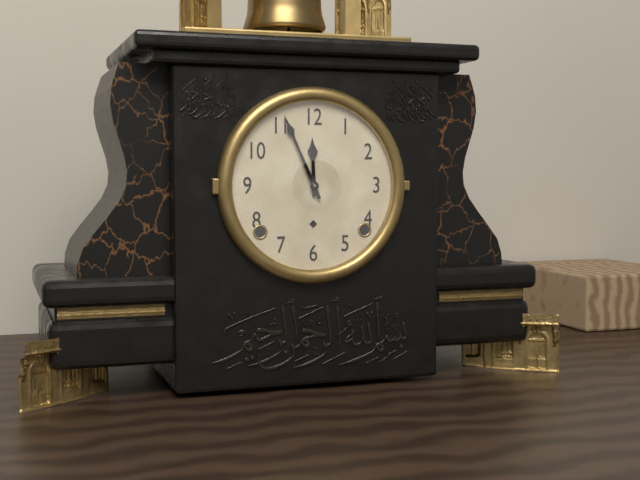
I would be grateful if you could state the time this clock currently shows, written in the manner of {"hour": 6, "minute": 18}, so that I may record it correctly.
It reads {"hour": 11, "minute": 56}
